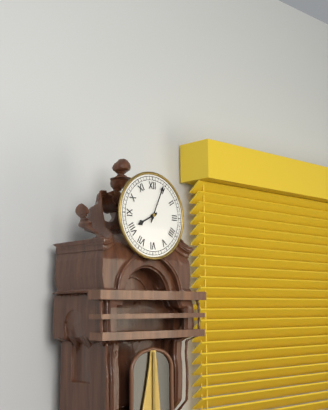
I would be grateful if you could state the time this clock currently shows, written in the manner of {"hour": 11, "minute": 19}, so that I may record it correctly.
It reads {"hour": 8, "minute": 4}
